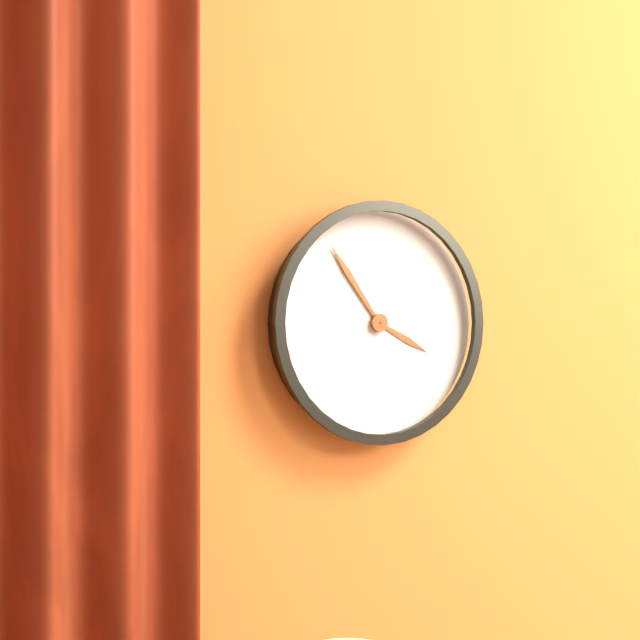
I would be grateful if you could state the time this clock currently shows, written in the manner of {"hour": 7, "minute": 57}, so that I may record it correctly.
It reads {"hour": 3, "minute": 54}
